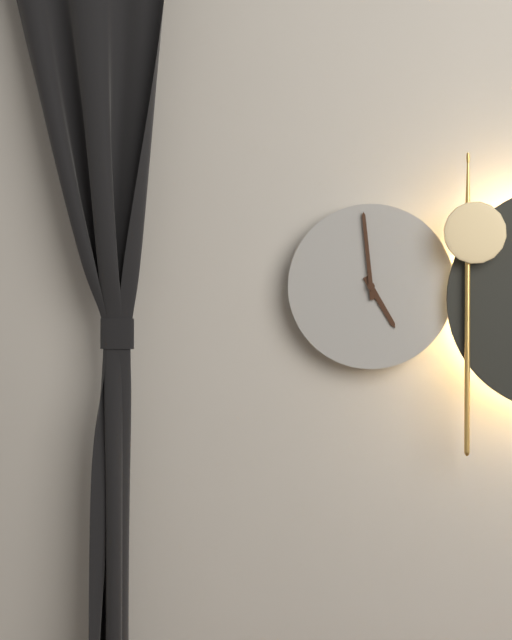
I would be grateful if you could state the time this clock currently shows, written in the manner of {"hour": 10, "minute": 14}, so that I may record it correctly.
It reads {"hour": 4, "minute": 59}
